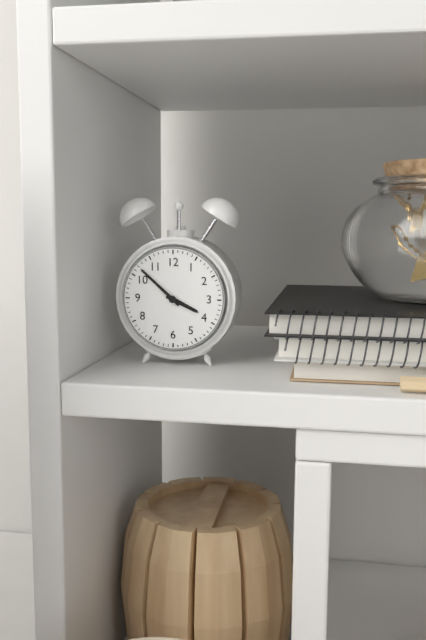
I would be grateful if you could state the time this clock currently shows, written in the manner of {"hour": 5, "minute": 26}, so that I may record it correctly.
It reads {"hour": 3, "minute": 52}
